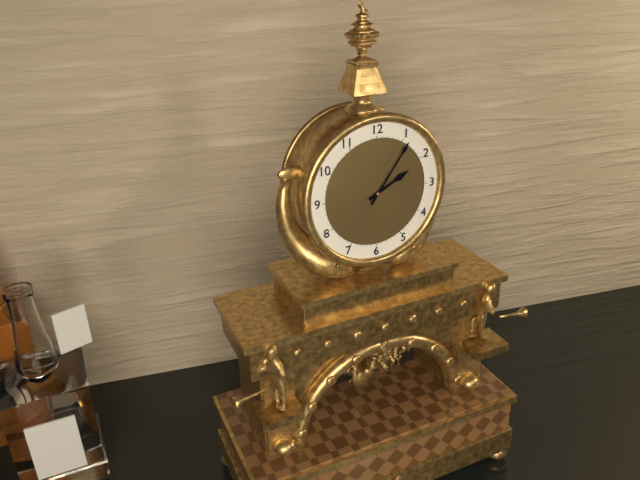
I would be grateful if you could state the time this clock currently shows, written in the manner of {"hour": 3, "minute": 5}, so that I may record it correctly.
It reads {"hour": 2, "minute": 6}
